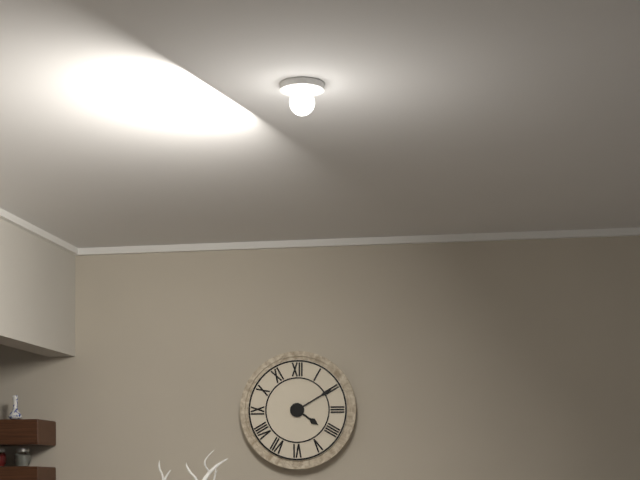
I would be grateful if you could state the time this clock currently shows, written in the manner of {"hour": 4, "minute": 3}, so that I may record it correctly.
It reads {"hour": 4, "minute": 10}
